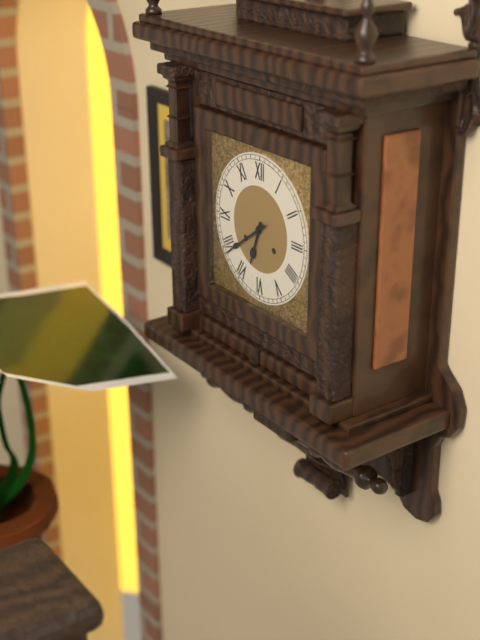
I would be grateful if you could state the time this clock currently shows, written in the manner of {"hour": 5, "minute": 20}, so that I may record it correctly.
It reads {"hour": 6, "minute": 39}
